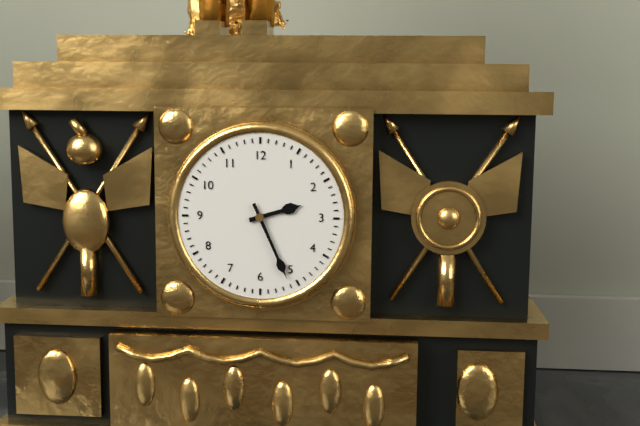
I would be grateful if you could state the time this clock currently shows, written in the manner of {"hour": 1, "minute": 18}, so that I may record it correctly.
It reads {"hour": 2, "minute": 26}
